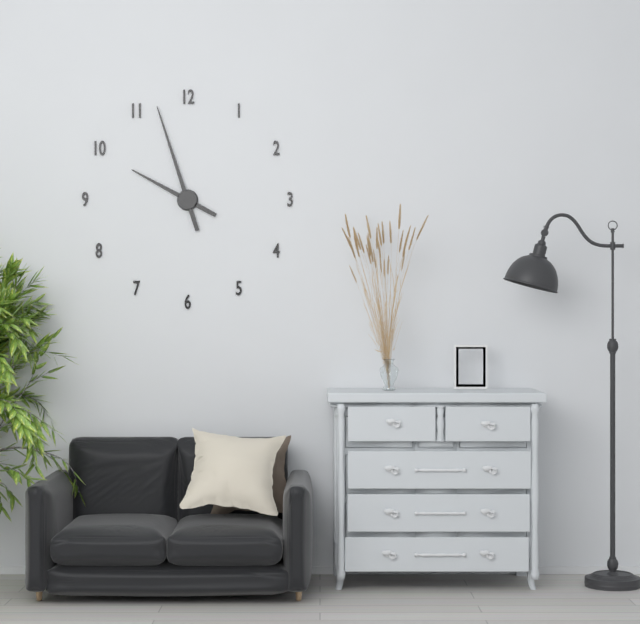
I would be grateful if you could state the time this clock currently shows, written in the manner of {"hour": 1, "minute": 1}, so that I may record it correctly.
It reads {"hour": 9, "minute": 57}
